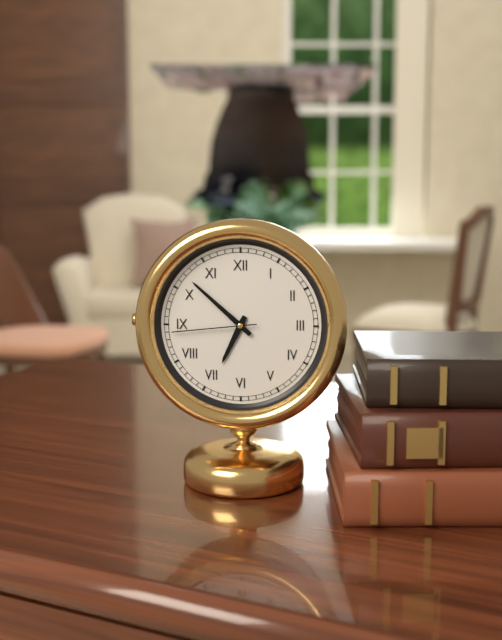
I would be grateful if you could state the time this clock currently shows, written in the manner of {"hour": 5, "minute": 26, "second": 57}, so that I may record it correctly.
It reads {"hour": 6, "minute": 52, "second": 44}
